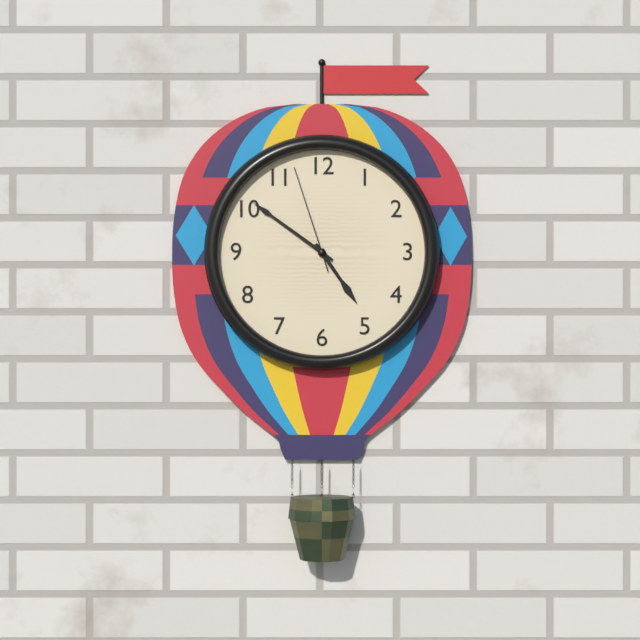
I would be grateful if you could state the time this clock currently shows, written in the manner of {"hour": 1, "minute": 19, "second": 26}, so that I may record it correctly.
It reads {"hour": 4, "minute": 51, "second": 57}
